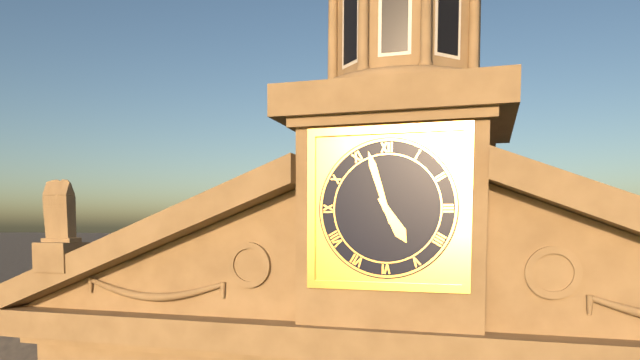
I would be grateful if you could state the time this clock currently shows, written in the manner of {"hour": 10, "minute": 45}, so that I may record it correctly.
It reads {"hour": 4, "minute": 57}
